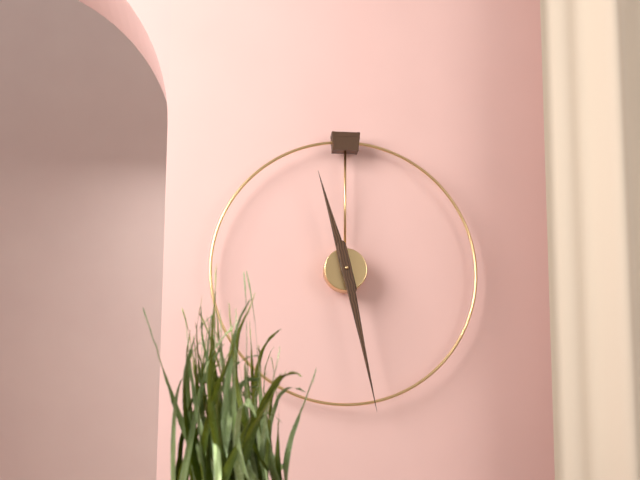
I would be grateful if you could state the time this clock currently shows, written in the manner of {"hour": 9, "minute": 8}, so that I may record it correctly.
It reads {"hour": 11, "minute": 28}
